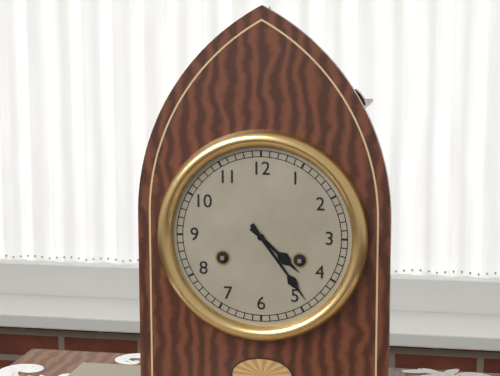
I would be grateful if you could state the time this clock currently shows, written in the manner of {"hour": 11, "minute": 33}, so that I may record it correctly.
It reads {"hour": 4, "minute": 24}
